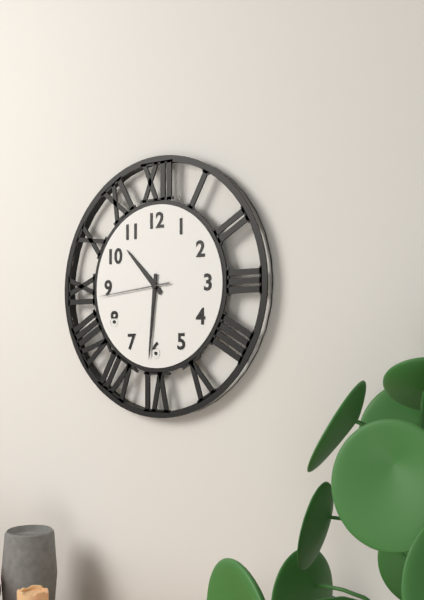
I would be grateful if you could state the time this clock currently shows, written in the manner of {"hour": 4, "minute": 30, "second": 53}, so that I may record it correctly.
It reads {"hour": 10, "minute": 31, "second": 44}
